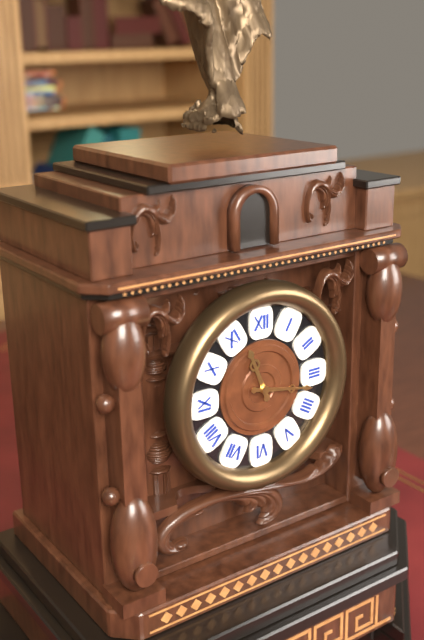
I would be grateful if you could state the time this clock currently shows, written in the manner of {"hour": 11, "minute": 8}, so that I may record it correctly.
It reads {"hour": 11, "minute": 17}
